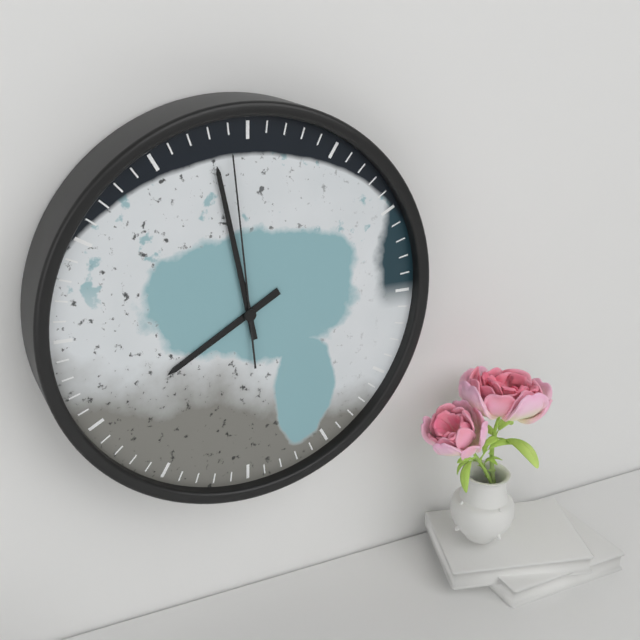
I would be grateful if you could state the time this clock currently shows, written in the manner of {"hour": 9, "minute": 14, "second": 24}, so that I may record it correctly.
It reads {"hour": 7, "minute": 58, "second": 59}
